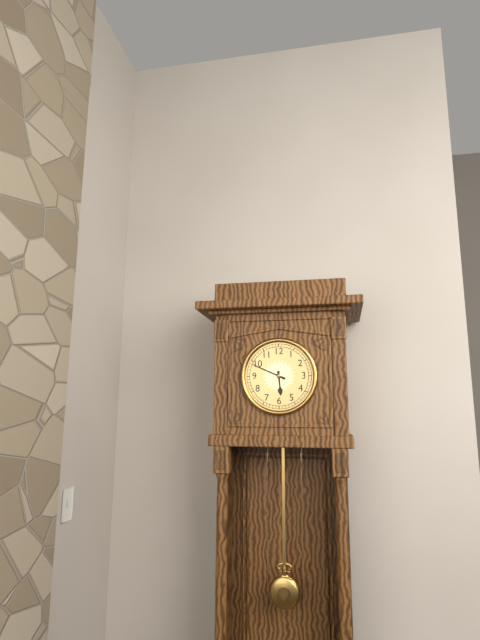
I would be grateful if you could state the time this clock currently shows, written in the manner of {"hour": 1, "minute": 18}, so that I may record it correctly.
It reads {"hour": 5, "minute": 49}
